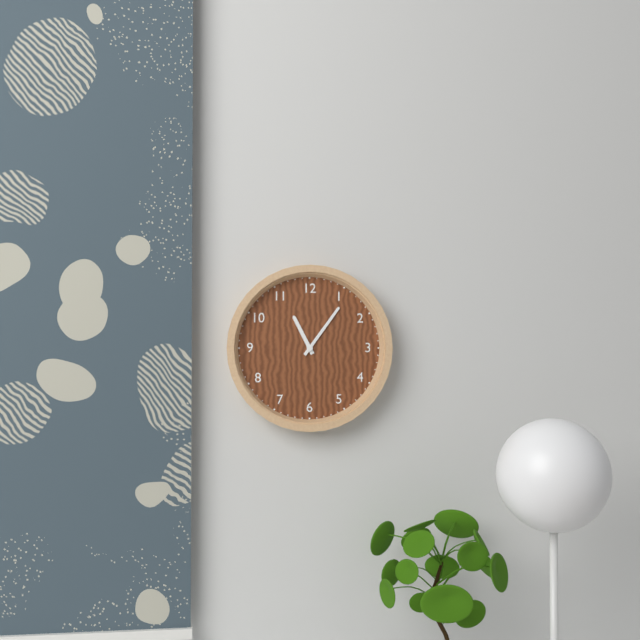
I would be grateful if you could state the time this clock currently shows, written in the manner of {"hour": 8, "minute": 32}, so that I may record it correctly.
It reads {"hour": 11, "minute": 6}
